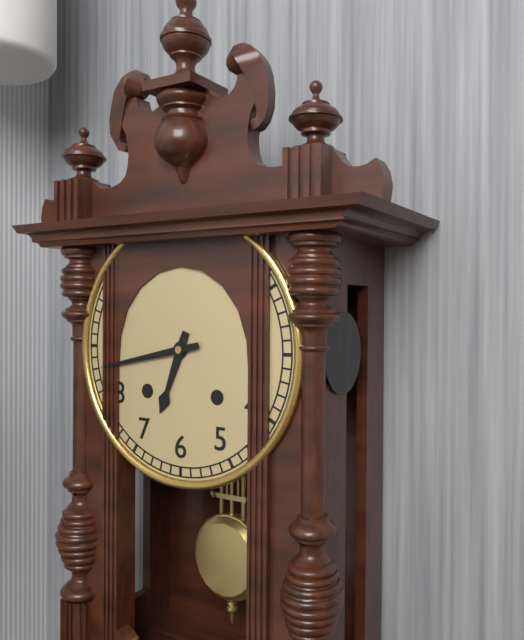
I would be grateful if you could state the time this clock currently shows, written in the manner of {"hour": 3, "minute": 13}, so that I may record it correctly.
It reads {"hour": 6, "minute": 43}
